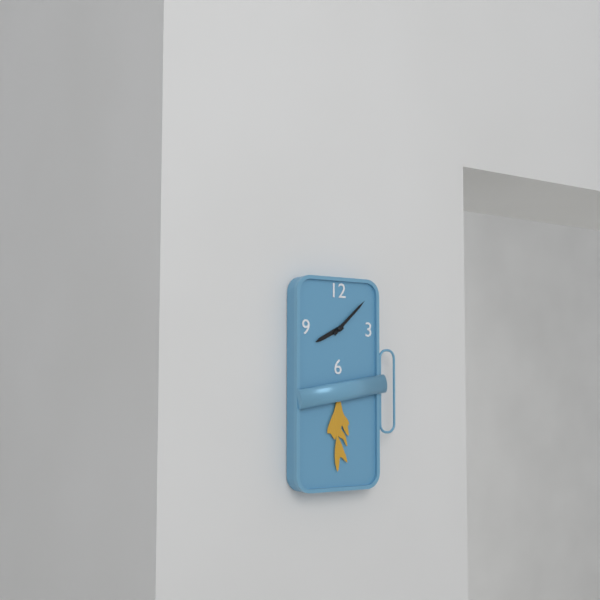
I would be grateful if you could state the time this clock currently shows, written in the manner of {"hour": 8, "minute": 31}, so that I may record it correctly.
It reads {"hour": 8, "minute": 8}
